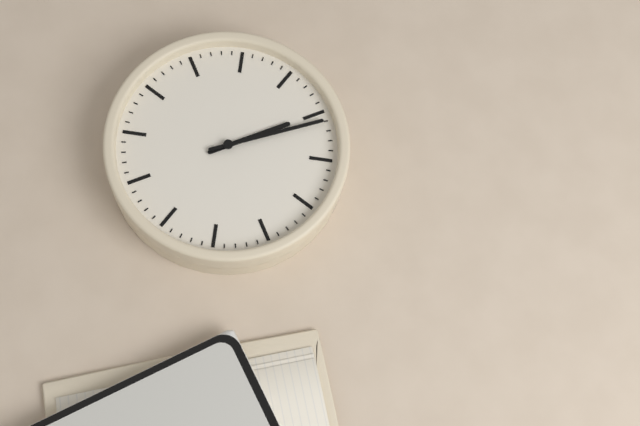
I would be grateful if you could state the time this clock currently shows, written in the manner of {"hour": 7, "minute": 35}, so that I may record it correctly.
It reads {"hour": 12, "minute": 1}
